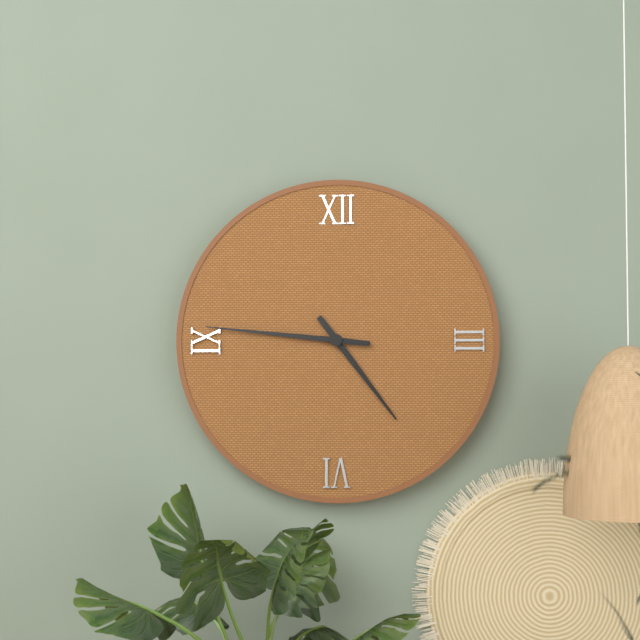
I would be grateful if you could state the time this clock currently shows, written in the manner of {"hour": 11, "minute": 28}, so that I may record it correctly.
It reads {"hour": 4, "minute": 46}
